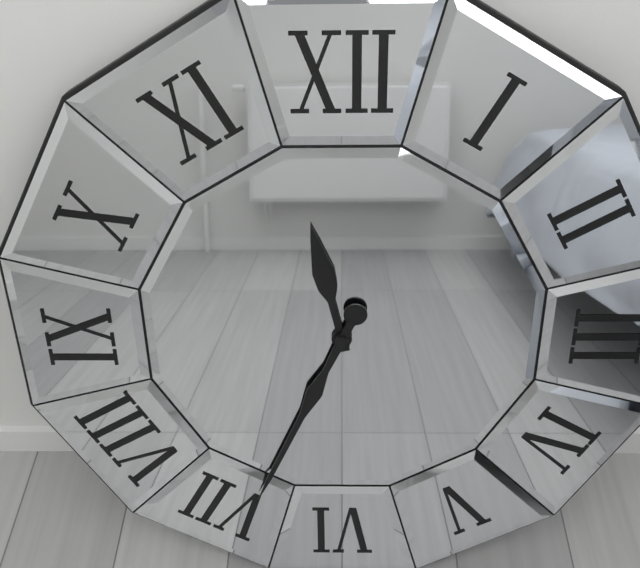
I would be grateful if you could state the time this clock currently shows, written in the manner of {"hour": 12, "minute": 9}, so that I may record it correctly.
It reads {"hour": 11, "minute": 34}
